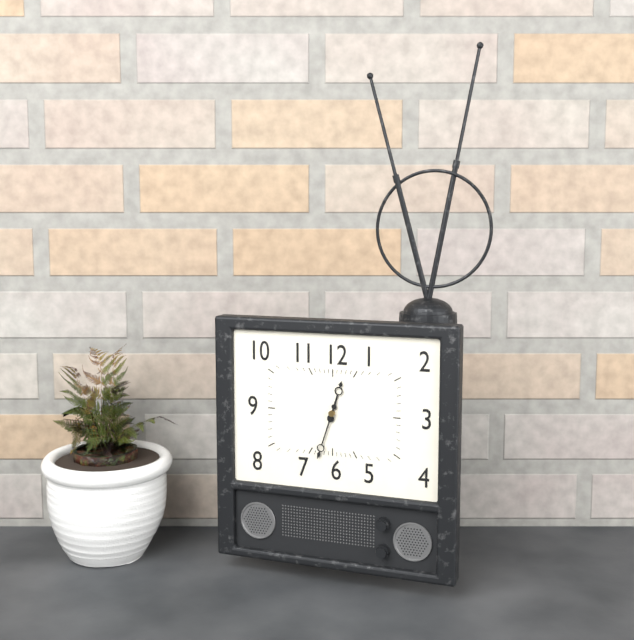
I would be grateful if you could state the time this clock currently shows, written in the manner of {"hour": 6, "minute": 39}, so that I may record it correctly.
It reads {"hour": 12, "minute": 33}
